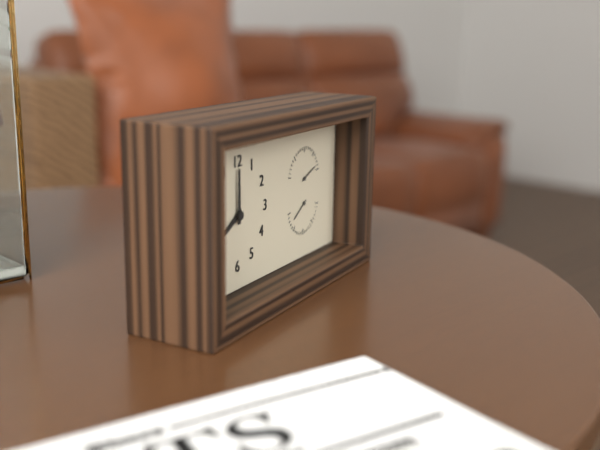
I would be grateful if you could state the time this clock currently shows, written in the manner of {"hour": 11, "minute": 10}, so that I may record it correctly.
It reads {"hour": 8, "minute": 0}
